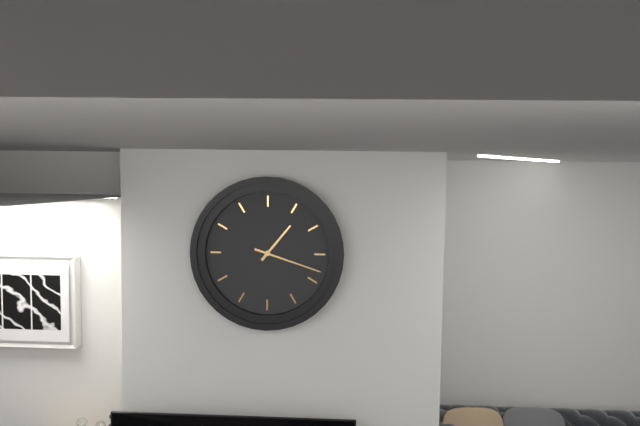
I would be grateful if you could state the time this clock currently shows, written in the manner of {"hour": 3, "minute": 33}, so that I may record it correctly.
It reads {"hour": 1, "minute": 18}
